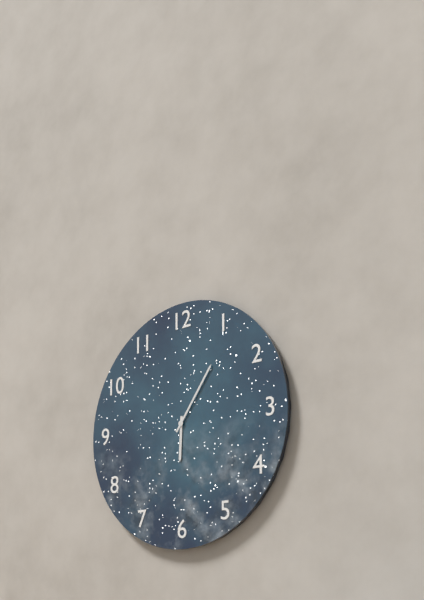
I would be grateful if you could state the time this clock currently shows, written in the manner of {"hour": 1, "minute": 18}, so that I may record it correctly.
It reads {"hour": 6, "minute": 6}
